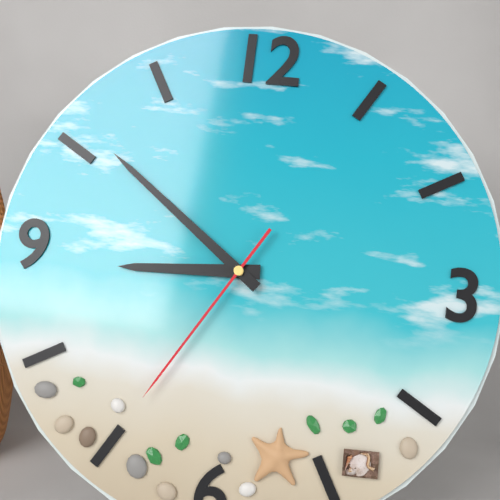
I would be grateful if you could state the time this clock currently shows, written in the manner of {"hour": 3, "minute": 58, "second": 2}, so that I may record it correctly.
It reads {"hour": 8, "minute": 51, "second": 35}
